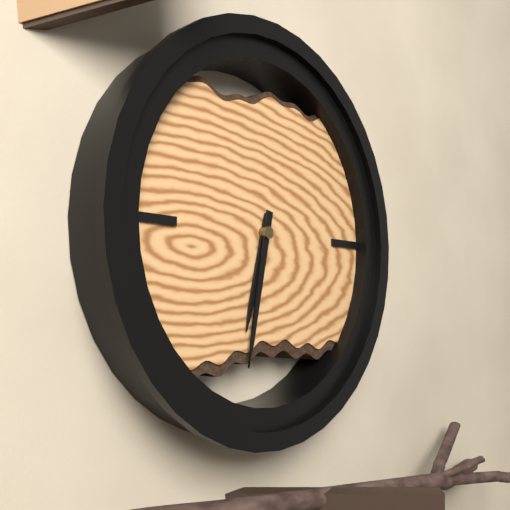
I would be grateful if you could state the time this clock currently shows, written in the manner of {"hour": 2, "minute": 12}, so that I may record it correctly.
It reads {"hour": 6, "minute": 32}
